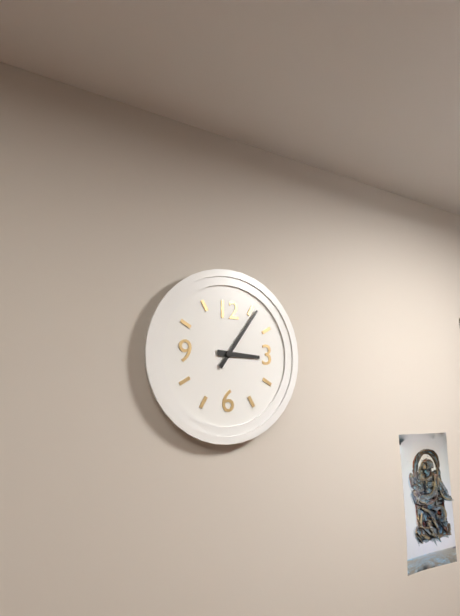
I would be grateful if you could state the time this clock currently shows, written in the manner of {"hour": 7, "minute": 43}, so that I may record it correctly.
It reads {"hour": 3, "minute": 6}
